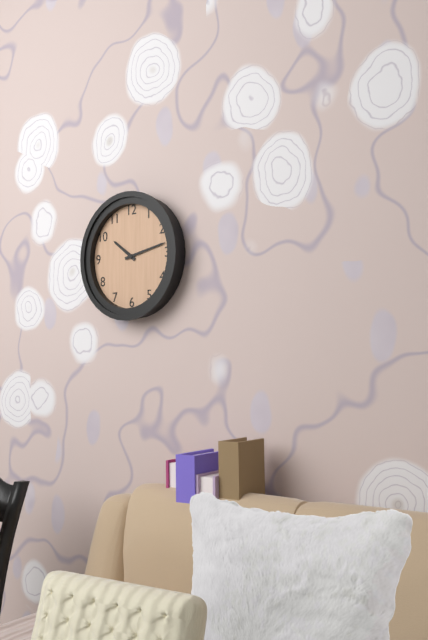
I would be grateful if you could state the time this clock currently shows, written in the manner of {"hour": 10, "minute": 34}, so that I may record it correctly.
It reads {"hour": 10, "minute": 13}
